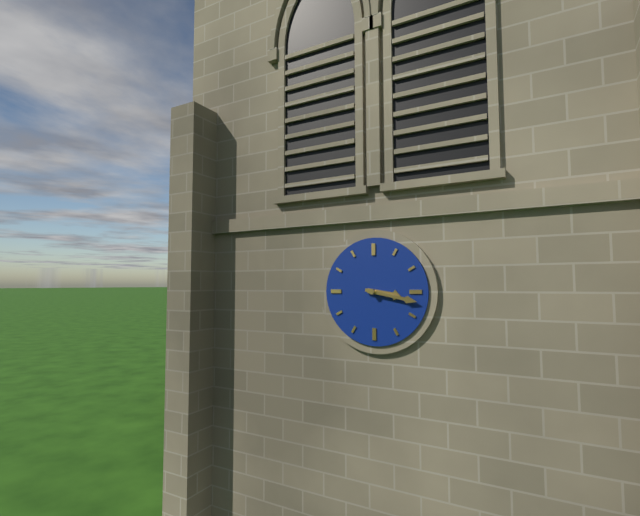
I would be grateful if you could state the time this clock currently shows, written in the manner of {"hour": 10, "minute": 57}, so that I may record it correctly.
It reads {"hour": 3, "minute": 17}
